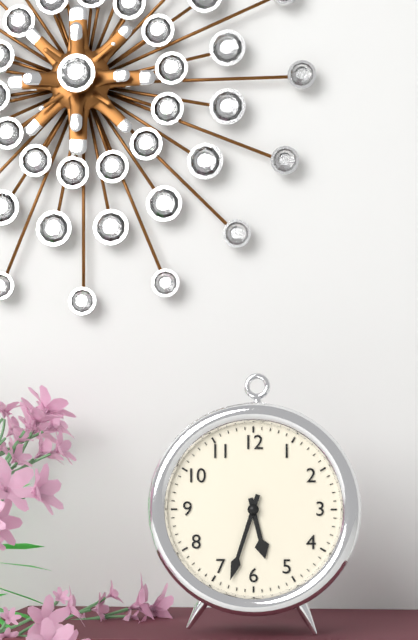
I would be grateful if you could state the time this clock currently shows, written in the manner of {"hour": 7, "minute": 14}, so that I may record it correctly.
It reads {"hour": 5, "minute": 33}
